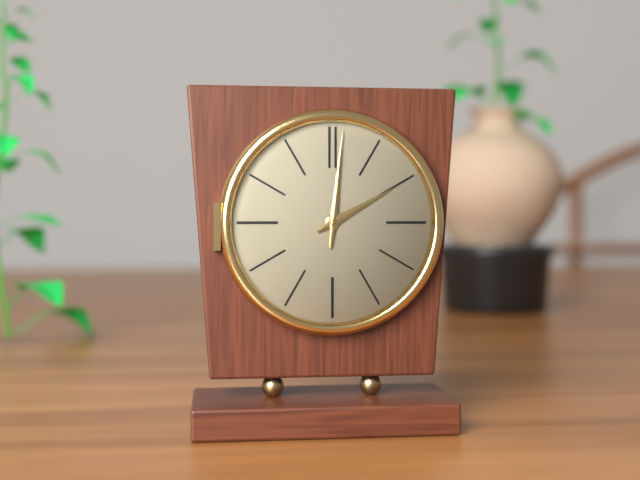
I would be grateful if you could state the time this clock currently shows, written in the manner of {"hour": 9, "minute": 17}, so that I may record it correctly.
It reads {"hour": 2, "minute": 1}
